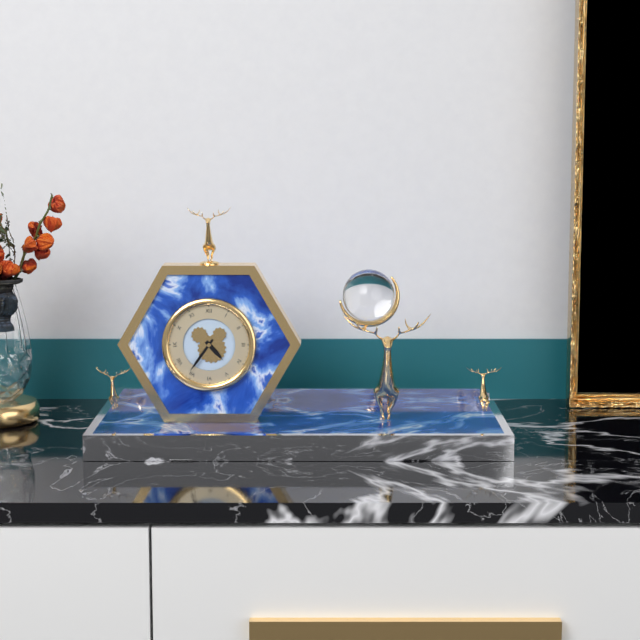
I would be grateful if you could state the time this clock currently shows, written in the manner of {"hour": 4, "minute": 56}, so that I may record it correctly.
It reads {"hour": 4, "minute": 36}
